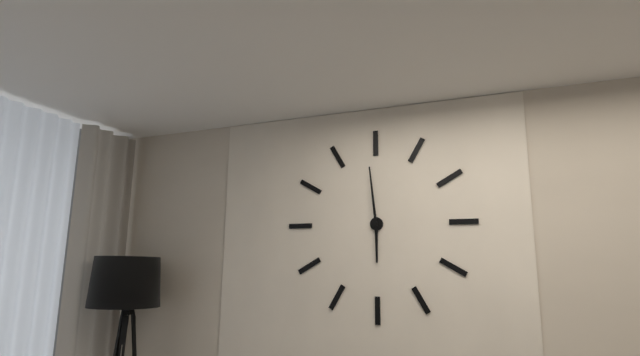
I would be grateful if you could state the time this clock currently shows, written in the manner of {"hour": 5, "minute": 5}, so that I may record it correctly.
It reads {"hour": 5, "minute": 59}
